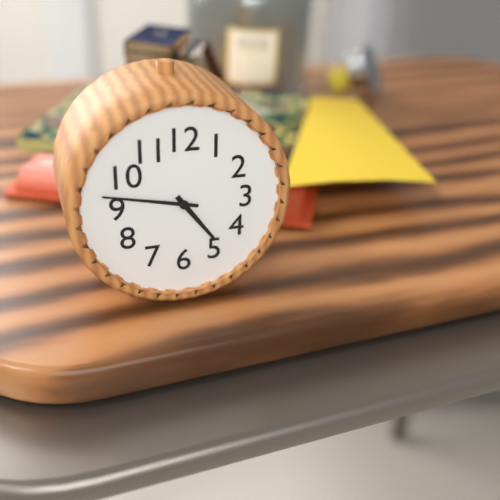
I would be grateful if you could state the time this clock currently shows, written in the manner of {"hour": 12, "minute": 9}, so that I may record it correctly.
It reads {"hour": 4, "minute": 47}
